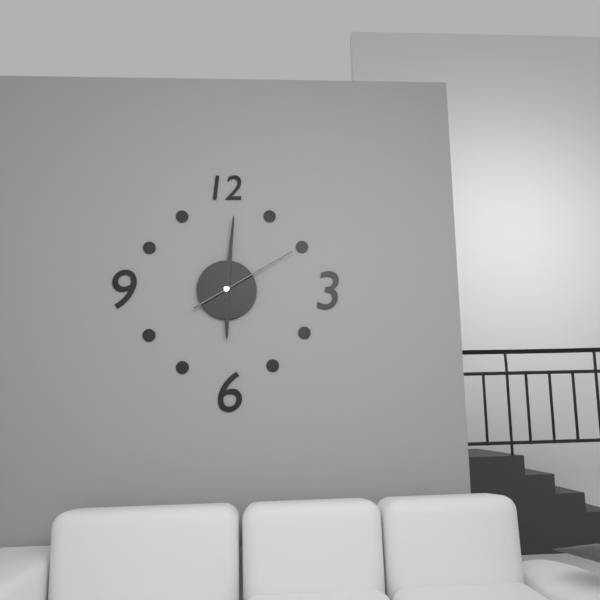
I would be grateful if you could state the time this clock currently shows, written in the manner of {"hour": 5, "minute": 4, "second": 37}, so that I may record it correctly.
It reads {"hour": 6, "minute": 1, "second": 10}
